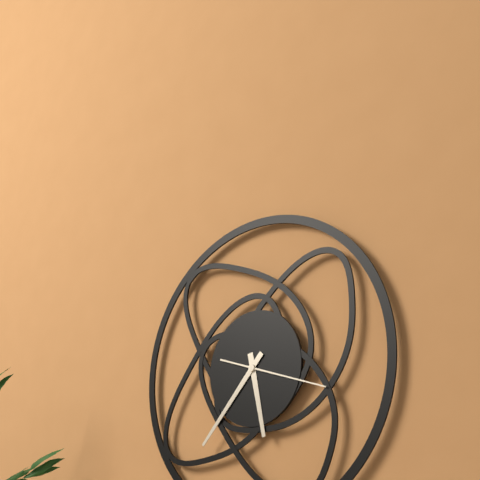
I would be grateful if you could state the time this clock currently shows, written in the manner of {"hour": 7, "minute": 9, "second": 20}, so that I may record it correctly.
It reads {"hour": 5, "minute": 37, "second": 18}
